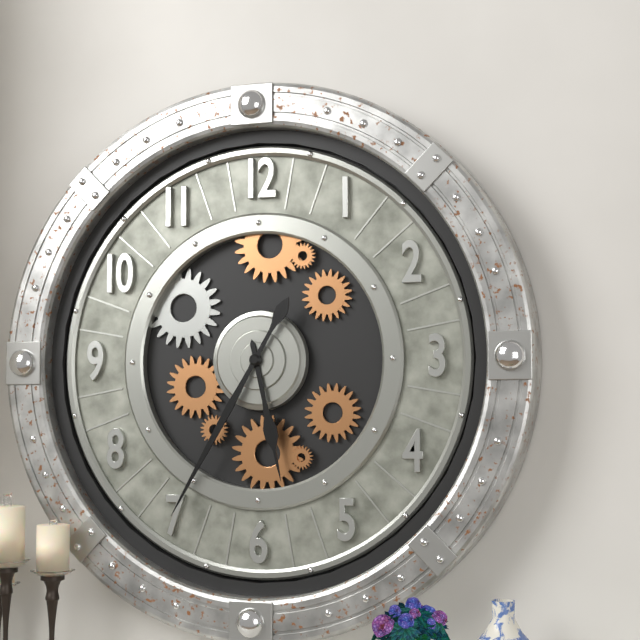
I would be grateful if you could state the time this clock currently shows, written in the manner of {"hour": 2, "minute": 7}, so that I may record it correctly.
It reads {"hour": 5, "minute": 35}
